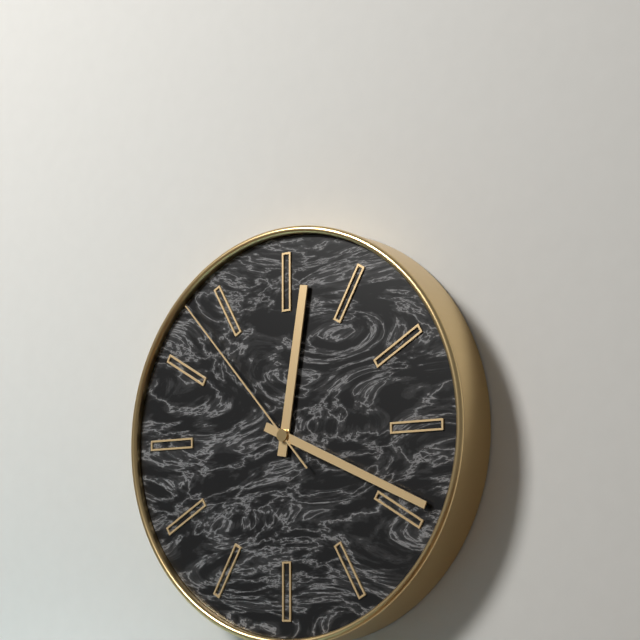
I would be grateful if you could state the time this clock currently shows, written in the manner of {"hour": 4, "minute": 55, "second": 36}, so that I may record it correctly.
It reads {"hour": 12, "minute": 19, "second": 53}
